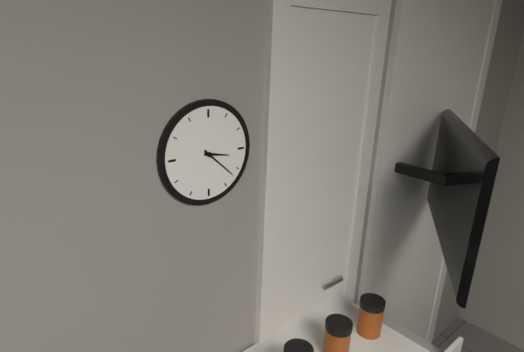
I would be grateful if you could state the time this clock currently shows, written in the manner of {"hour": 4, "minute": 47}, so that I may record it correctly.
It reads {"hour": 3, "minute": 22}
